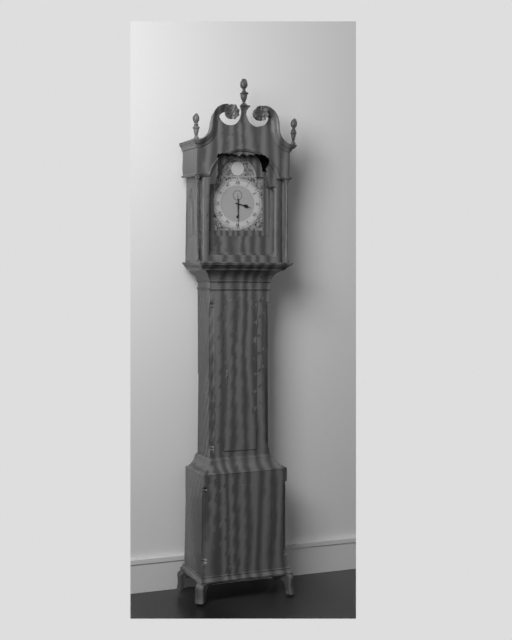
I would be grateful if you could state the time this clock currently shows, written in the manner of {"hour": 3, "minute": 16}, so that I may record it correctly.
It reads {"hour": 3, "minute": 30}
